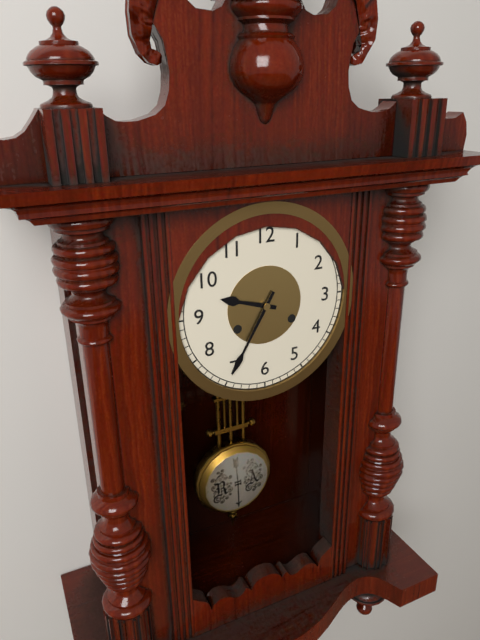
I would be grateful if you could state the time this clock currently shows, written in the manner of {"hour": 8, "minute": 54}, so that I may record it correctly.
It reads {"hour": 9, "minute": 35}
